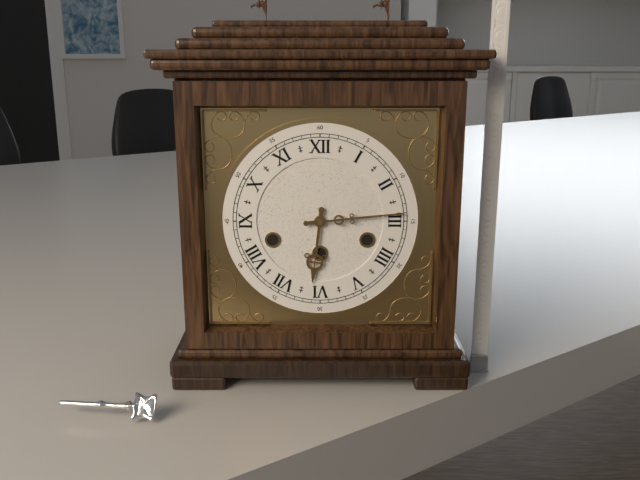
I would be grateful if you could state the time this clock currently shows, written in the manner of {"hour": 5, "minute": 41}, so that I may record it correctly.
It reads {"hour": 6, "minute": 14}
